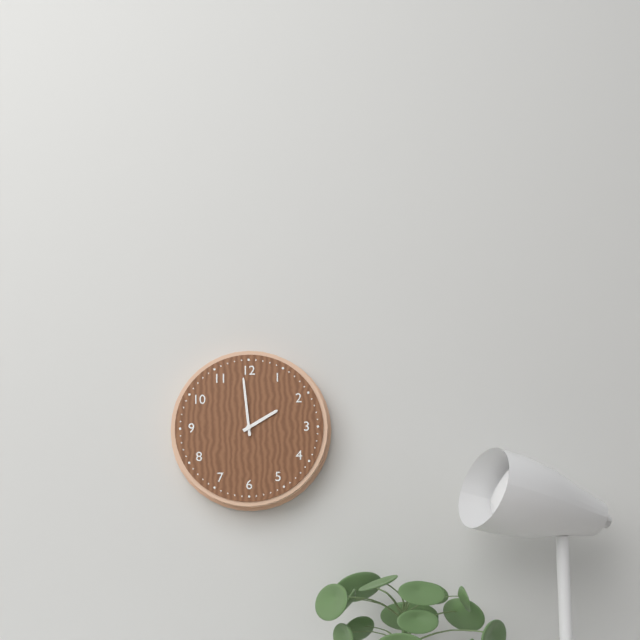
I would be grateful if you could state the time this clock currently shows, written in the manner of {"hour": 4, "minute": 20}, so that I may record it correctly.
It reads {"hour": 1, "minute": 59}
